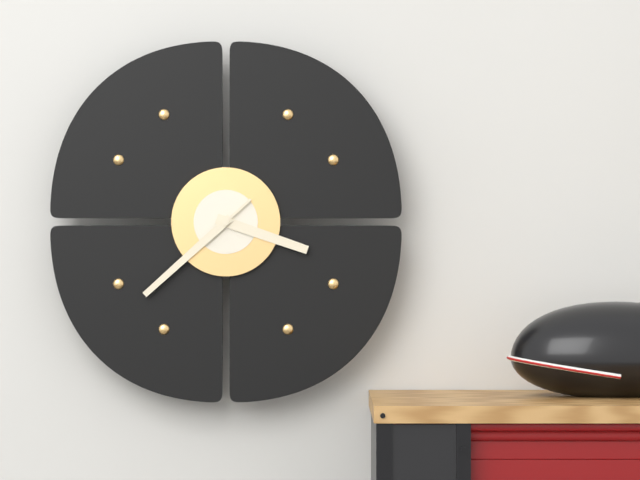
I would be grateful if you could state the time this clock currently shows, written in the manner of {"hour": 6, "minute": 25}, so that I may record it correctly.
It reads {"hour": 3, "minute": 38}
